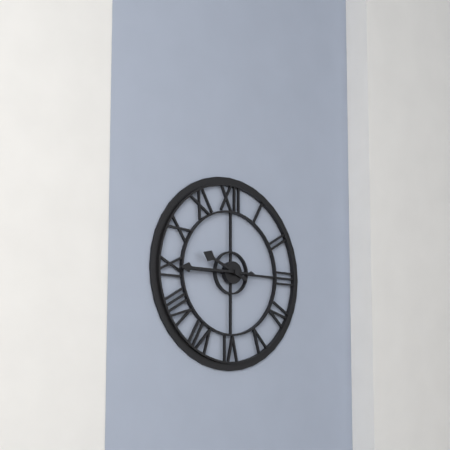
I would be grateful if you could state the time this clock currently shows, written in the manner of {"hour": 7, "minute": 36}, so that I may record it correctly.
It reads {"hour": 9, "minute": 45}
